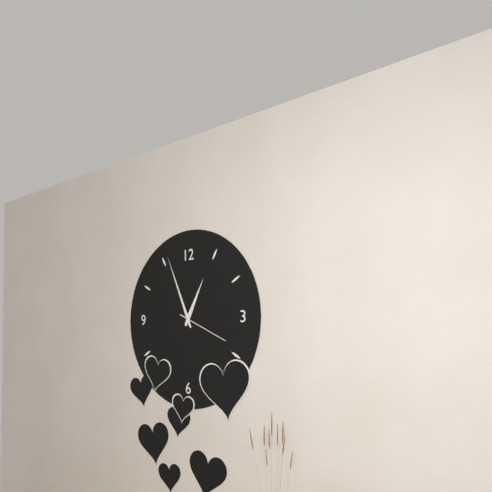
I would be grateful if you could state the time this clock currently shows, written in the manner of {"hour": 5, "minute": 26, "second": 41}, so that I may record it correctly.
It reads {"hour": 12, "minute": 56, "second": 19}
